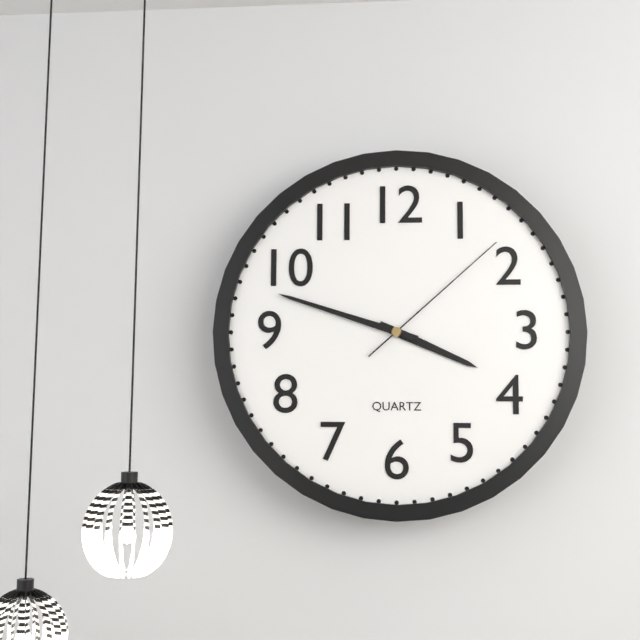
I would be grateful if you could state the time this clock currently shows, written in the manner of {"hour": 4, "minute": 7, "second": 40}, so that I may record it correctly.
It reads {"hour": 3, "minute": 48, "second": 8}
